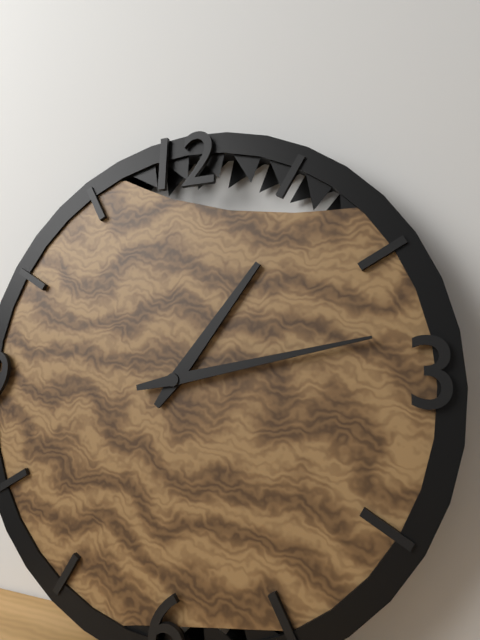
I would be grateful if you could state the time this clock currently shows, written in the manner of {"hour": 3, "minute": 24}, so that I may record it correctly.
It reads {"hour": 1, "minute": 13}
